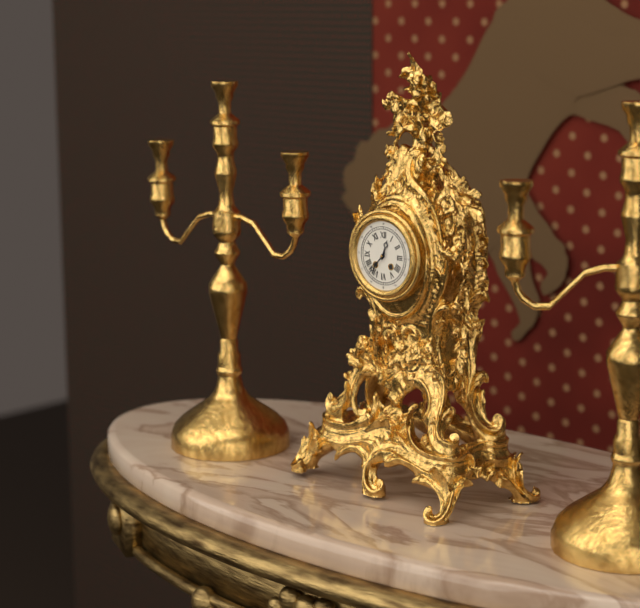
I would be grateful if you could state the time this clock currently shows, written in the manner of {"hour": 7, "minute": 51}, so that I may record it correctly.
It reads {"hour": 12, "minute": 37}
